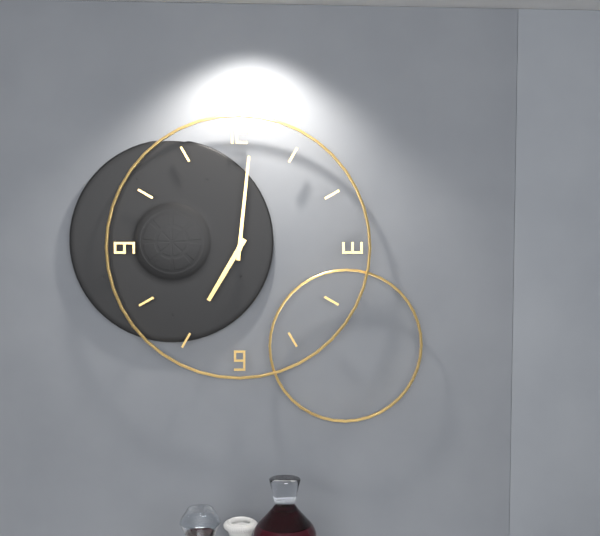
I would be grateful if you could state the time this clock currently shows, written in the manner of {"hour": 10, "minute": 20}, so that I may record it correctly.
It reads {"hour": 7, "minute": 1}
